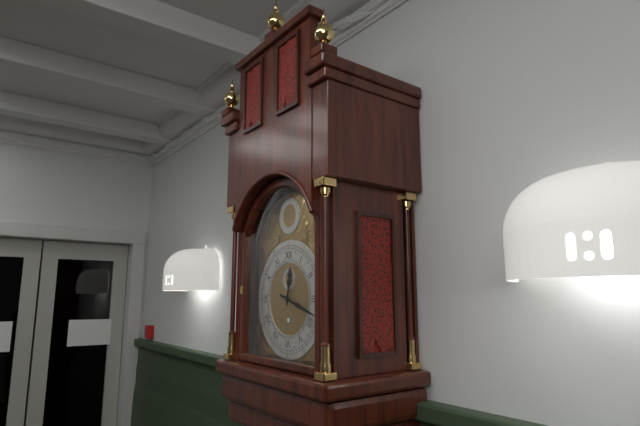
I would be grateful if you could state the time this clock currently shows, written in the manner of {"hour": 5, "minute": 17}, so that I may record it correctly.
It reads {"hour": 12, "minute": 18}
